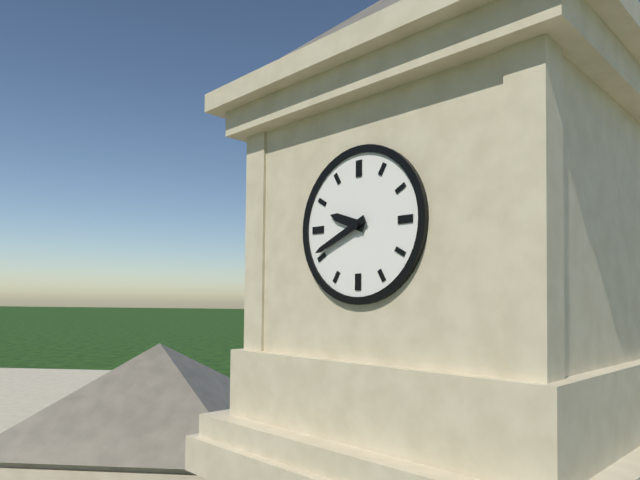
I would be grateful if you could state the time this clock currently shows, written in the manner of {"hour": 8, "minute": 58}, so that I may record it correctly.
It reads {"hour": 9, "minute": 41}
